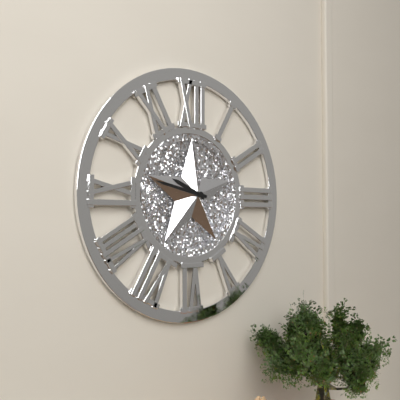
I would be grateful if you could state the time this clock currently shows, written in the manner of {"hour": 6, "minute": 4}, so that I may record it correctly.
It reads {"hour": 9, "minute": 47}
